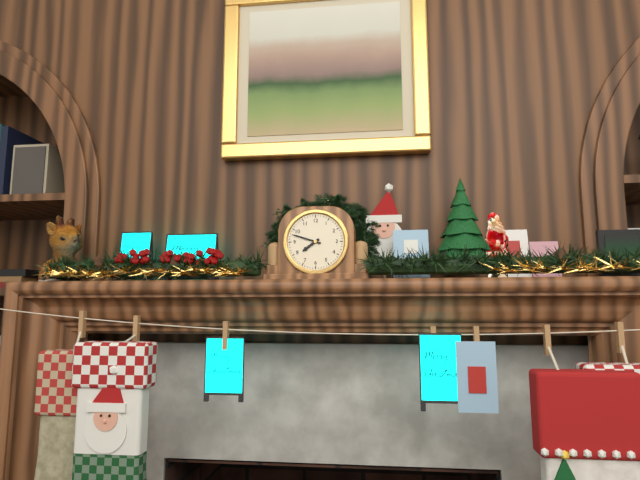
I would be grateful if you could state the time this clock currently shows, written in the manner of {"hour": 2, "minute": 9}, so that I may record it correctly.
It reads {"hour": 7, "minute": 48}
